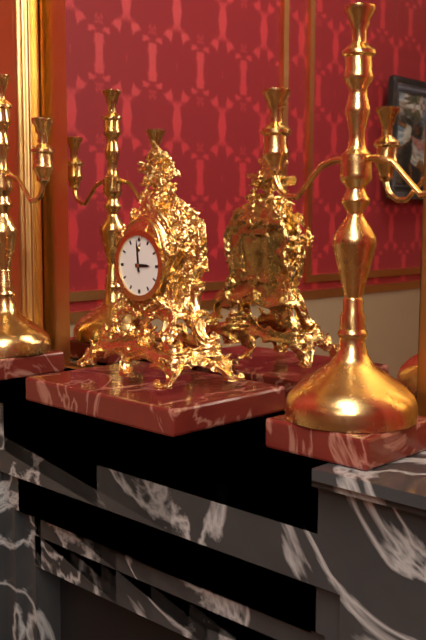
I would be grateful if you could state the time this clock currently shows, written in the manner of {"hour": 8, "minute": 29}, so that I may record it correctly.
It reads {"hour": 2, "minute": 59}
